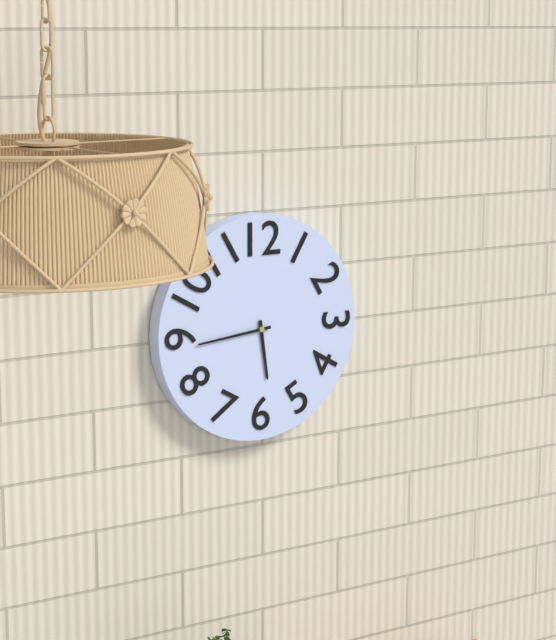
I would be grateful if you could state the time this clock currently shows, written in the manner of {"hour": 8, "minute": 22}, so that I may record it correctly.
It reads {"hour": 5, "minute": 44}
